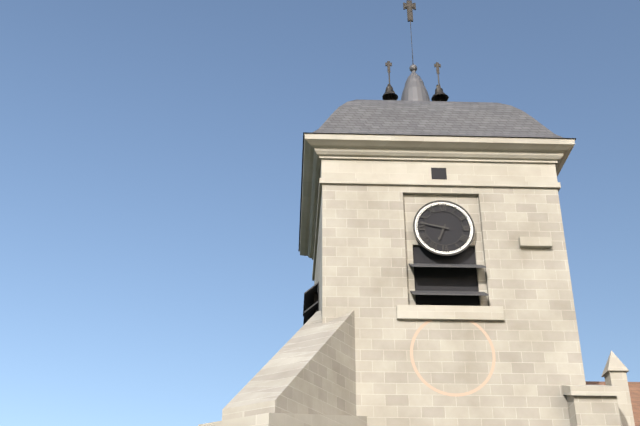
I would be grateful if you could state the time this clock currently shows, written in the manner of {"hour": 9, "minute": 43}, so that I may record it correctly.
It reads {"hour": 6, "minute": 47}
